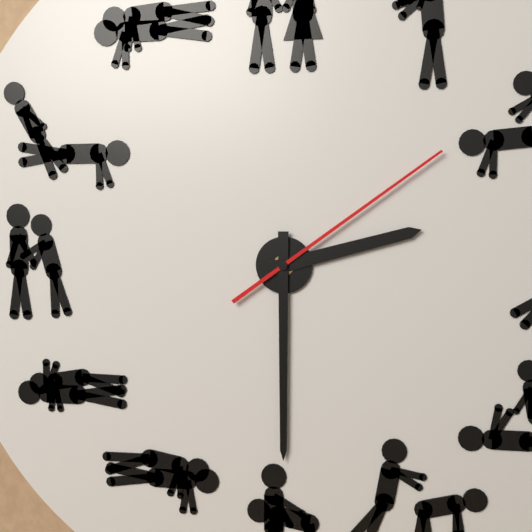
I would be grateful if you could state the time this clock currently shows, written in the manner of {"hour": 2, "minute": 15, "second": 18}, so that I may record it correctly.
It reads {"hour": 2, "minute": 30, "second": 9}
